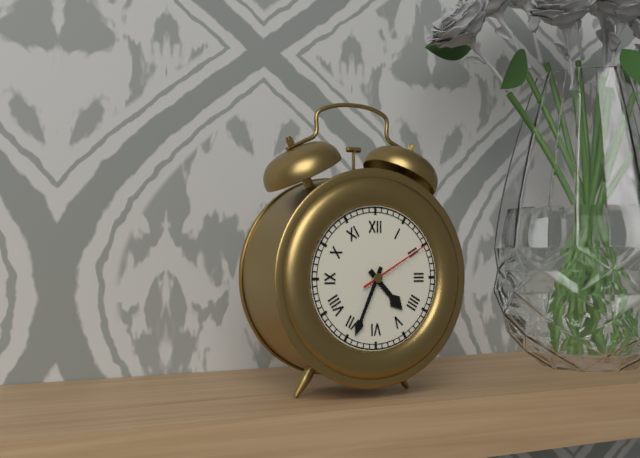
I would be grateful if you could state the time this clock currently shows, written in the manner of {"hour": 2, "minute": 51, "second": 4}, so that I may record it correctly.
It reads {"hour": 4, "minute": 34, "second": 10}
